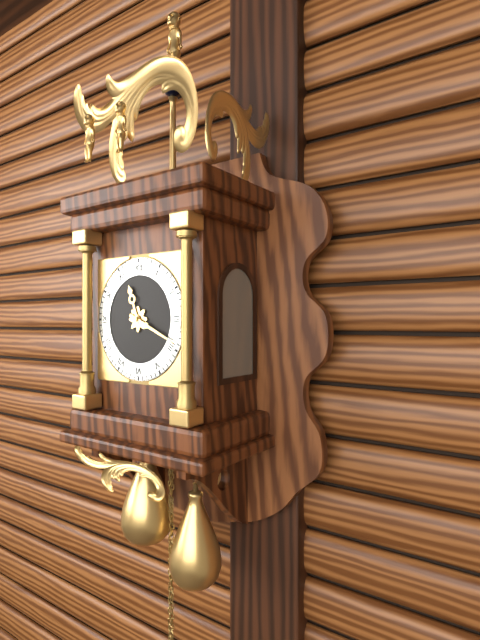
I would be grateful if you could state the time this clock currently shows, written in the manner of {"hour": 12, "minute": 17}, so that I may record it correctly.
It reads {"hour": 11, "minute": 19}
